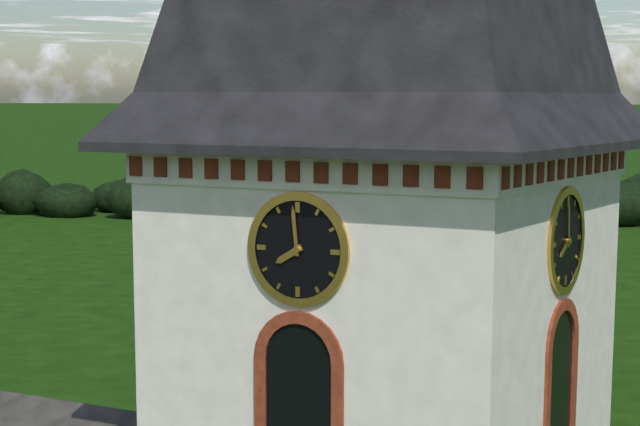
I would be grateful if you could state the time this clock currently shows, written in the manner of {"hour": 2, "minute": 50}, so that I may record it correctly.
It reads {"hour": 7, "minute": 59}
